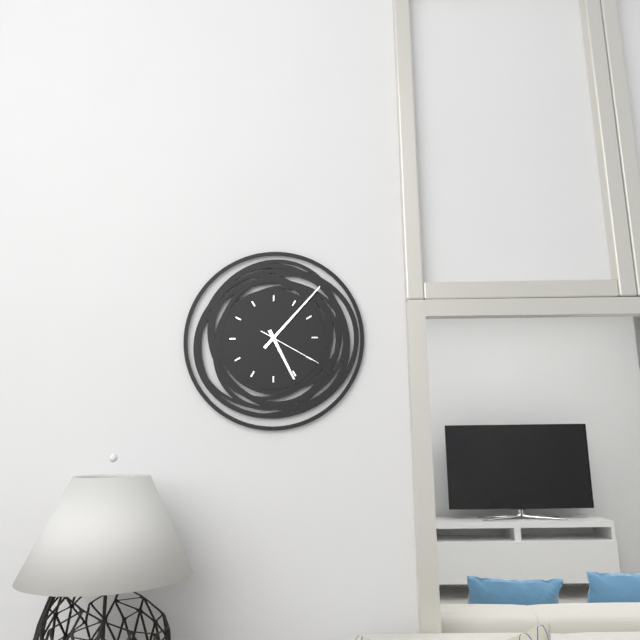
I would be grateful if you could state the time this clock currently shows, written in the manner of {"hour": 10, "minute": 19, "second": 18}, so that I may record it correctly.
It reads {"hour": 5, "minute": 7, "second": 20}
